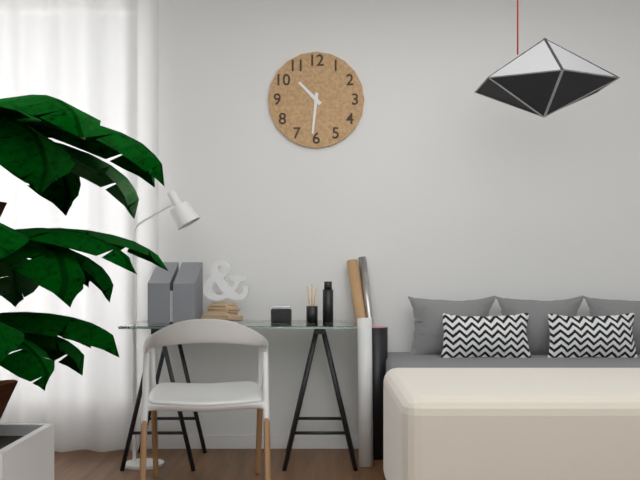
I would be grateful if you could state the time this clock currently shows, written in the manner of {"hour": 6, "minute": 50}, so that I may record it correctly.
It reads {"hour": 10, "minute": 31}
